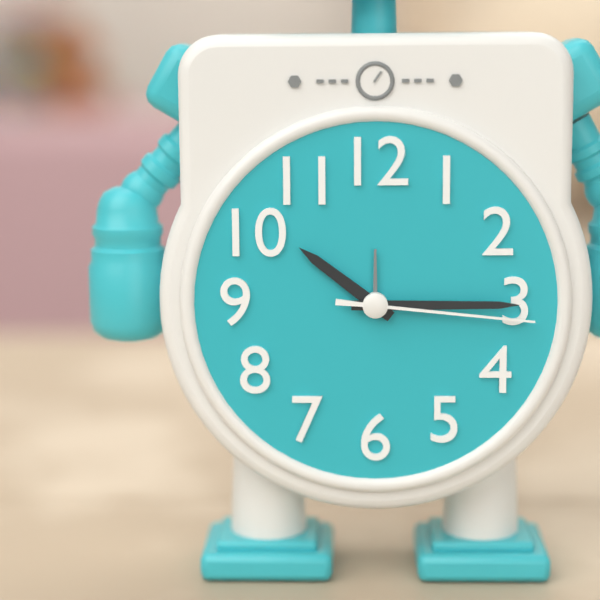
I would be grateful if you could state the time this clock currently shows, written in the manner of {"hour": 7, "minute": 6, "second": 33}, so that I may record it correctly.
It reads {"hour": 10, "minute": 15, "second": 16}
